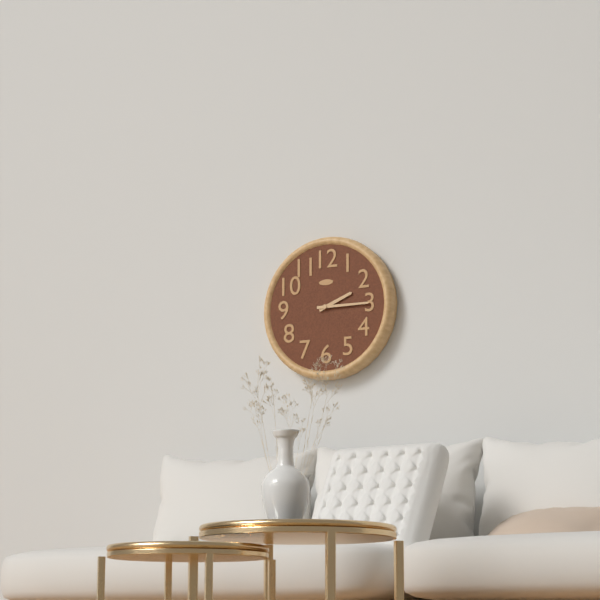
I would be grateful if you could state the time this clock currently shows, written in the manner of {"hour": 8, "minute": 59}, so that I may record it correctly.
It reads {"hour": 2, "minute": 15}
